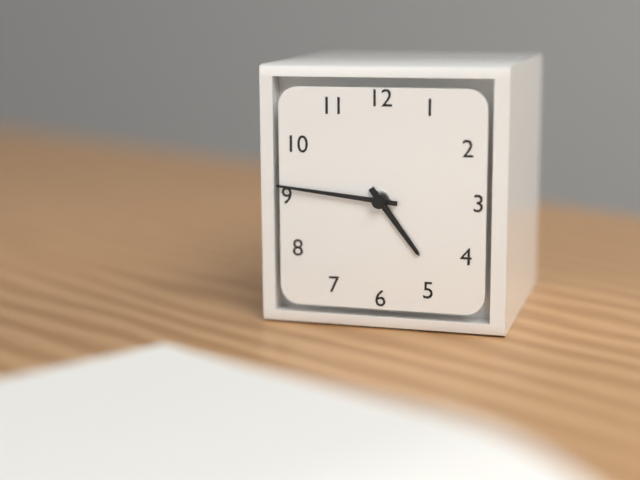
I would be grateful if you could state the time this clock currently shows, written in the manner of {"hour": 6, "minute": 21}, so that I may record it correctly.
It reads {"hour": 4, "minute": 46}
